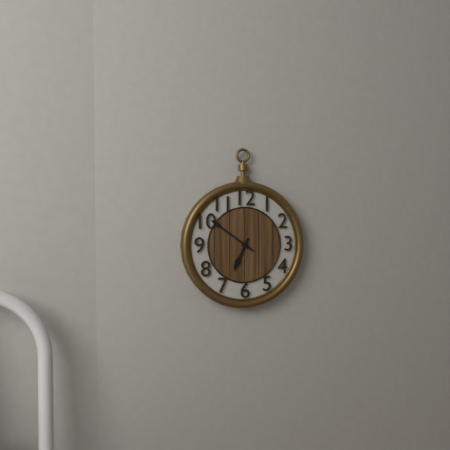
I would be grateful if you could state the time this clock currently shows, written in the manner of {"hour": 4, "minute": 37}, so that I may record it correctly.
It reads {"hour": 6, "minute": 51}
